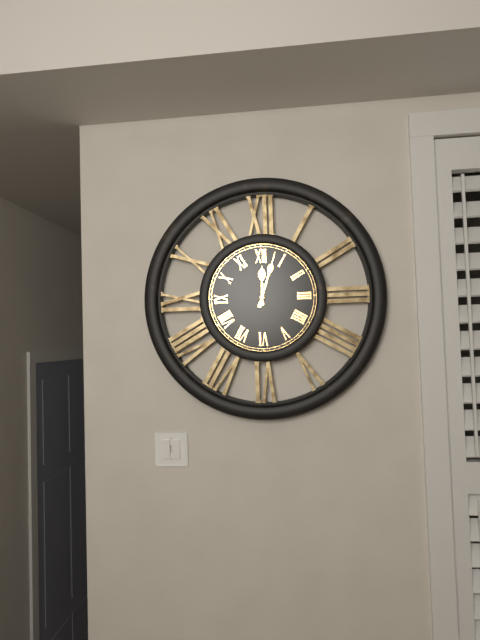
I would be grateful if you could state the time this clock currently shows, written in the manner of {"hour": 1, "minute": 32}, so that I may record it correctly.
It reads {"hour": 12, "minute": 3}
